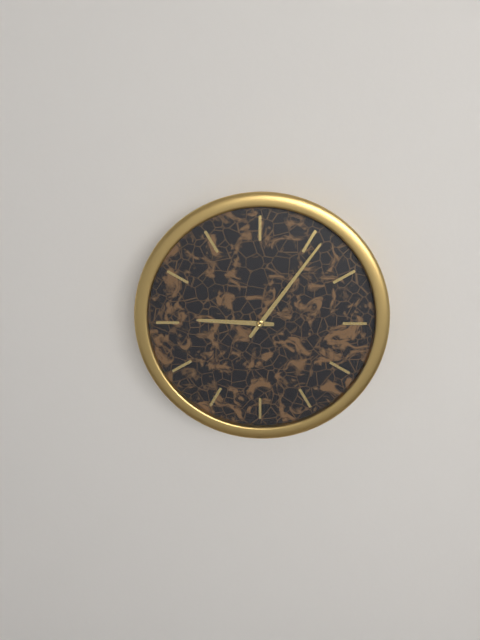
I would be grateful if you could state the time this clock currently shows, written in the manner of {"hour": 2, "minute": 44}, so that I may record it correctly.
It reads {"hour": 9, "minute": 6}
